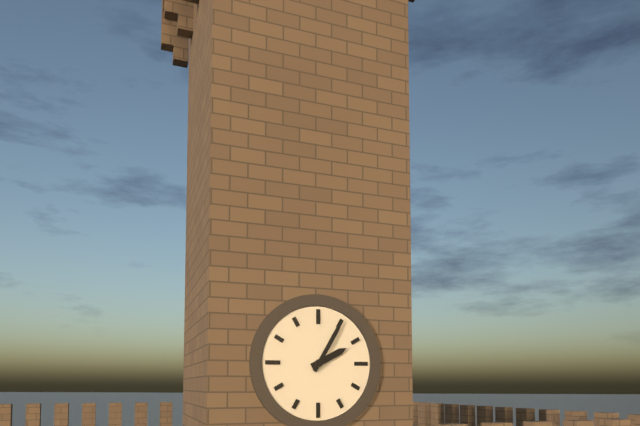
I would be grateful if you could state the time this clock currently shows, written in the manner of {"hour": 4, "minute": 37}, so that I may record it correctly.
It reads {"hour": 2, "minute": 5}
